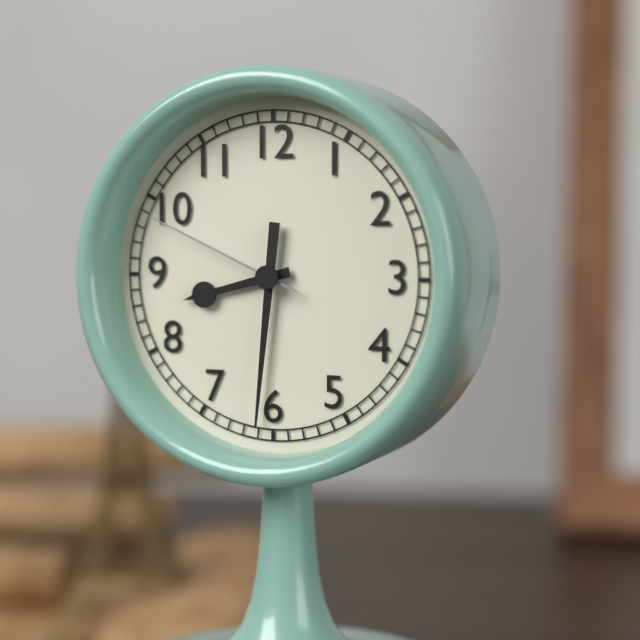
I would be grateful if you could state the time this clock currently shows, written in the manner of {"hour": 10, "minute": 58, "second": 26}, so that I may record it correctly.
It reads {"hour": 8, "minute": 31, "second": 49}
